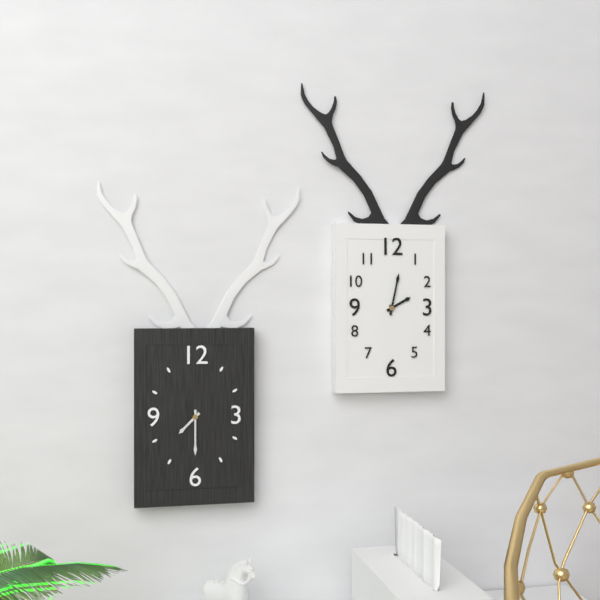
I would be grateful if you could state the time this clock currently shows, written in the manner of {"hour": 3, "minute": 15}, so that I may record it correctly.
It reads {"hour": 7, "minute": 30}
